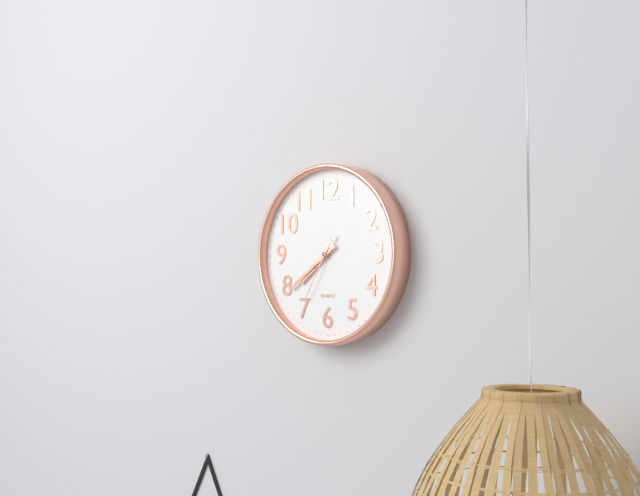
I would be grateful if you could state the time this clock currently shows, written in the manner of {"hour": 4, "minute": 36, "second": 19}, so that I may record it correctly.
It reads {"hour": 7, "minute": 39, "second": 35}
